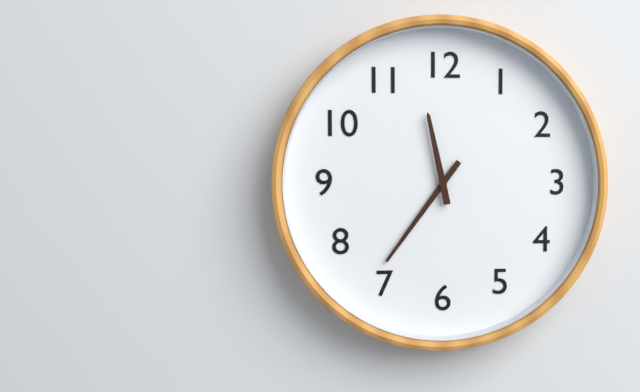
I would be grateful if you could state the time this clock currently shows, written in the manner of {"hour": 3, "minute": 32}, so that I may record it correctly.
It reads {"hour": 11, "minute": 36}
